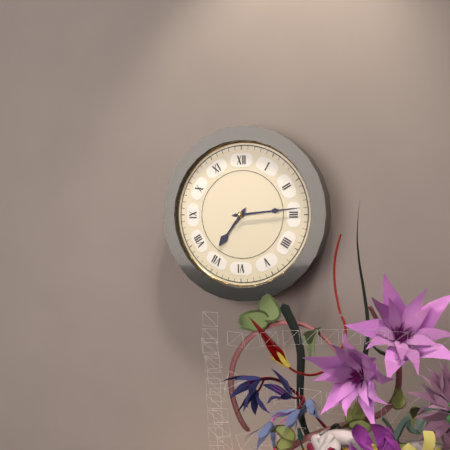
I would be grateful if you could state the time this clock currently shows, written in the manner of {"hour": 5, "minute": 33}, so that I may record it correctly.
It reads {"hour": 7, "minute": 14}
